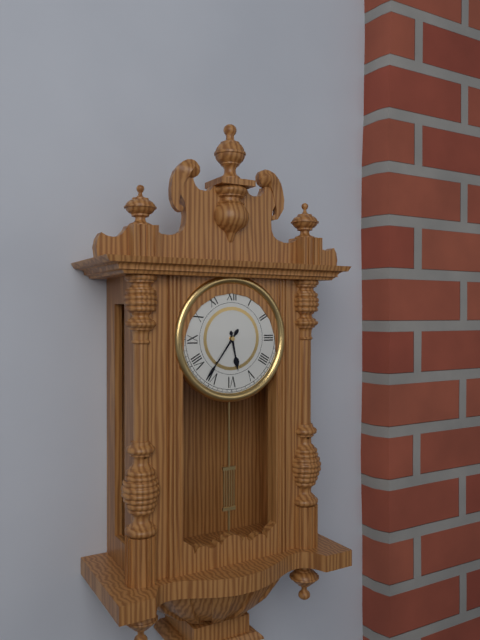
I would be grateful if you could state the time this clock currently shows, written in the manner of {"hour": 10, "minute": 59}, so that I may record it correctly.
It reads {"hour": 5, "minute": 36}
